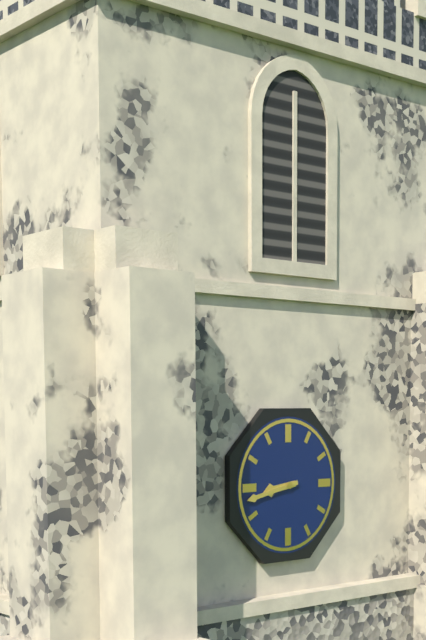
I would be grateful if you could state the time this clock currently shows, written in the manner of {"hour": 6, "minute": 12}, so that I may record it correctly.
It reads {"hour": 8, "minute": 43}
